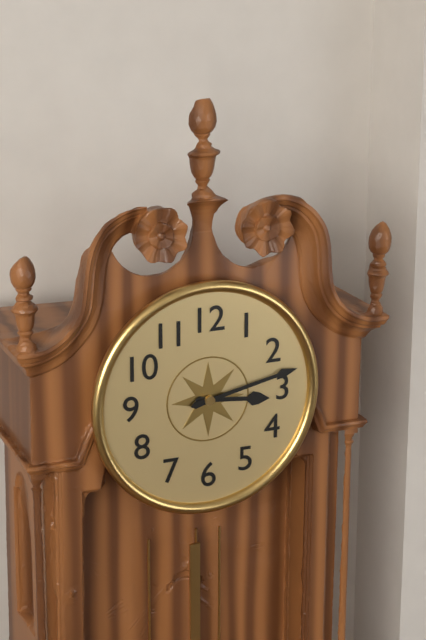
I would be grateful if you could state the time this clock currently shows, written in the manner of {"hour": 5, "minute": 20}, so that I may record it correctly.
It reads {"hour": 3, "minute": 13}
